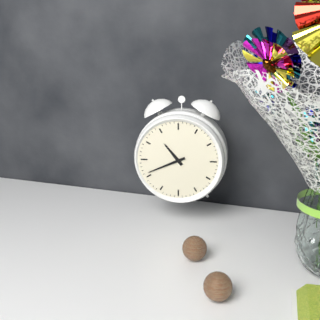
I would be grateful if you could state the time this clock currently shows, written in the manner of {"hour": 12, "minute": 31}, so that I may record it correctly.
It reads {"hour": 10, "minute": 41}
